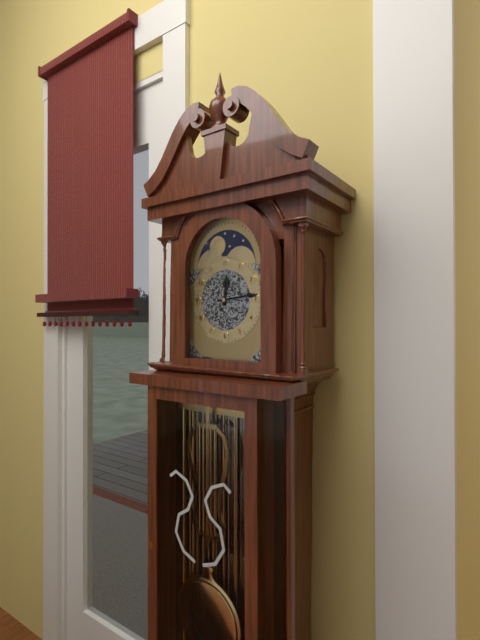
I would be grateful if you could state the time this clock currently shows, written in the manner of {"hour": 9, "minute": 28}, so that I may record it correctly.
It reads {"hour": 12, "minute": 14}
